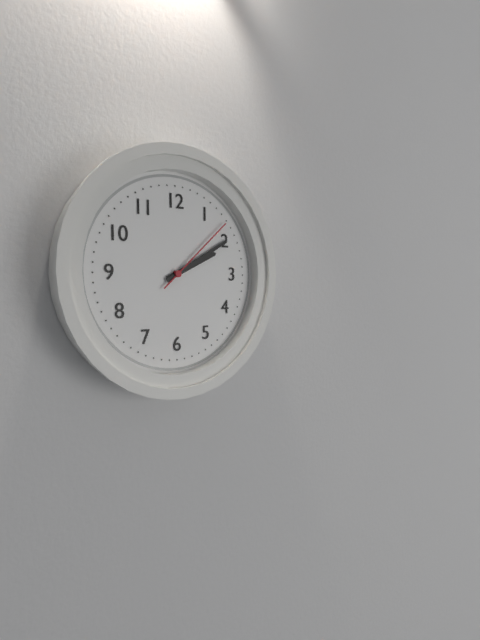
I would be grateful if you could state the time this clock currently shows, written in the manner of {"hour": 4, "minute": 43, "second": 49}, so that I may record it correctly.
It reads {"hour": 2, "minute": 10, "second": 8}
